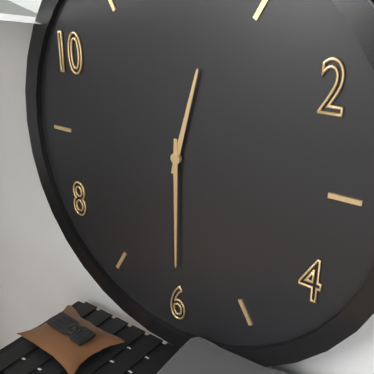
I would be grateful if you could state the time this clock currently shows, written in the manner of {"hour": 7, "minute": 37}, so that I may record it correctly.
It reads {"hour": 12, "minute": 30}
